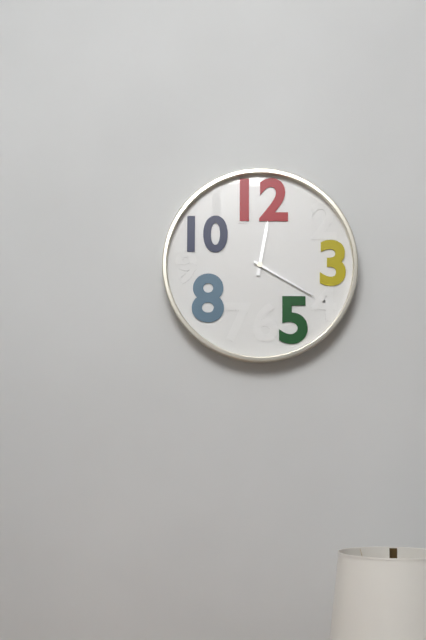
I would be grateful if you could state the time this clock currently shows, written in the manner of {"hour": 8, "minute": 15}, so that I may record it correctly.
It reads {"hour": 12, "minute": 20}
